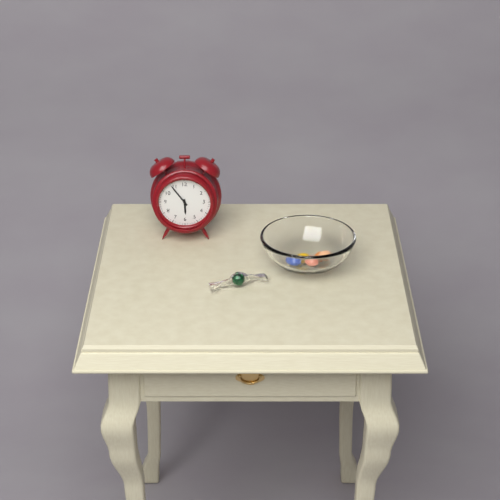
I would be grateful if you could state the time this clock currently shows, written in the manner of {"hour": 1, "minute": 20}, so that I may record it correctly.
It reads {"hour": 5, "minute": 54}
